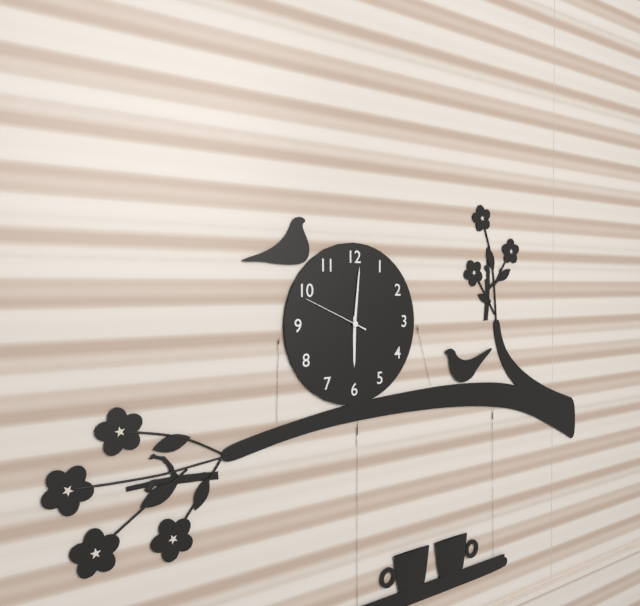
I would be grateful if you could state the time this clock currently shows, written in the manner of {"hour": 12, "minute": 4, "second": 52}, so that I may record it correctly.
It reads {"hour": 6, "minute": 1, "second": 49}
